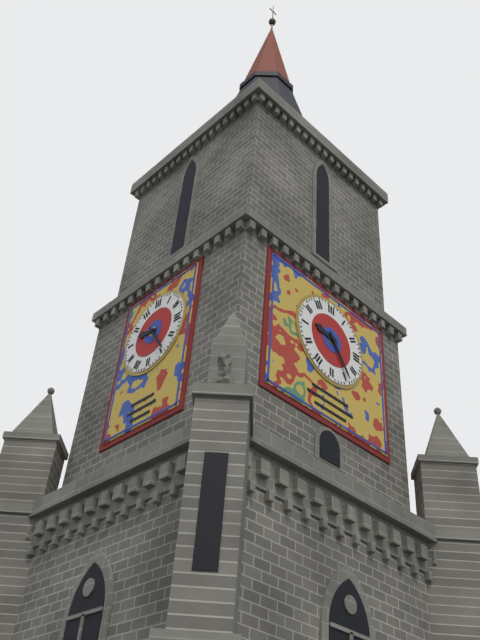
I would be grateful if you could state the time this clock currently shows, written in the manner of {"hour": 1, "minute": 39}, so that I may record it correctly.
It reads {"hour": 9, "minute": 24}
